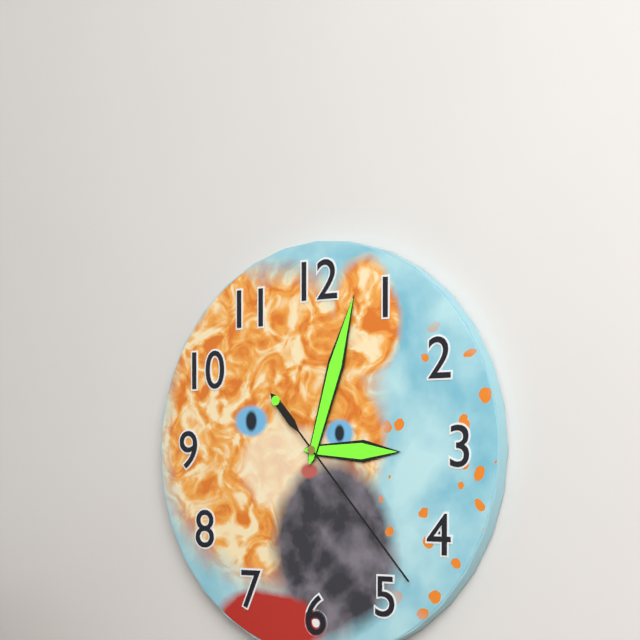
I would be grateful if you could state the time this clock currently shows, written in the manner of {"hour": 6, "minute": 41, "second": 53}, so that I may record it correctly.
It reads {"hour": 3, "minute": 3, "second": 23}
